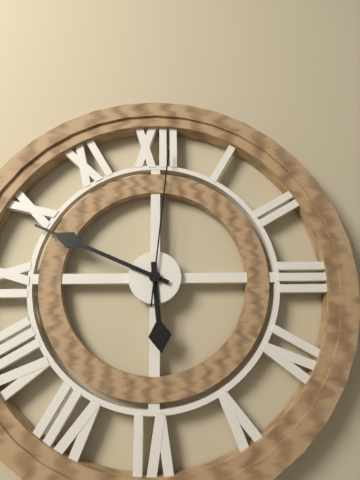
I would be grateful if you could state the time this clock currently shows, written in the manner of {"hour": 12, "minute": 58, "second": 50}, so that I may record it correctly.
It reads {"hour": 5, "minute": 49, "second": 1}
